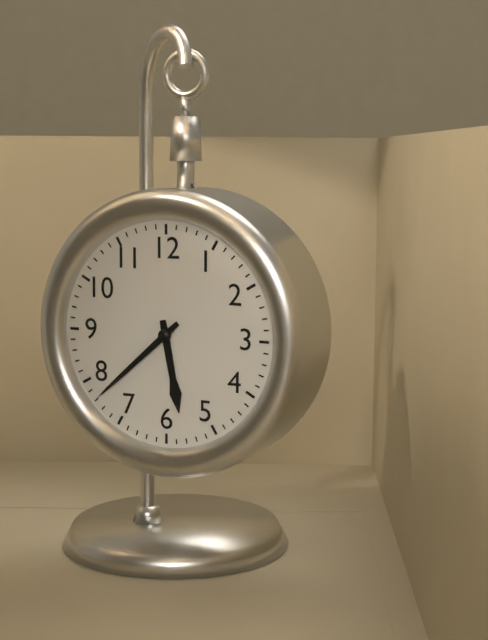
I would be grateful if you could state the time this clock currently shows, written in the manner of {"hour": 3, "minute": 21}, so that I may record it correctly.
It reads {"hour": 5, "minute": 38}
